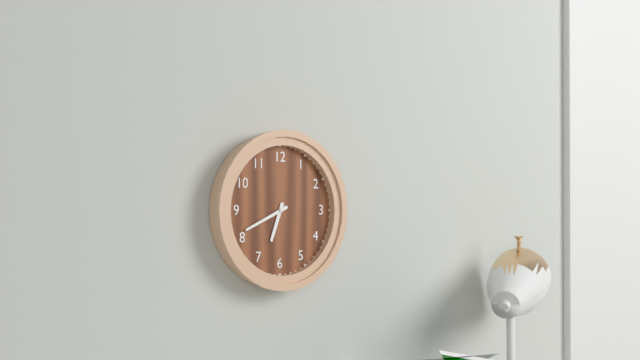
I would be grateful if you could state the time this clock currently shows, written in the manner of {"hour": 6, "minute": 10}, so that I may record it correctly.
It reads {"hour": 6, "minute": 41}
